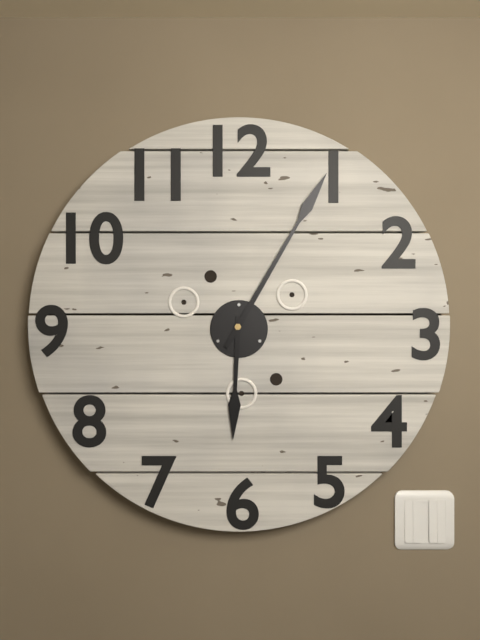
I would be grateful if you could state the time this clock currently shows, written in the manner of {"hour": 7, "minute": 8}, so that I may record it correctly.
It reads {"hour": 6, "minute": 5}
